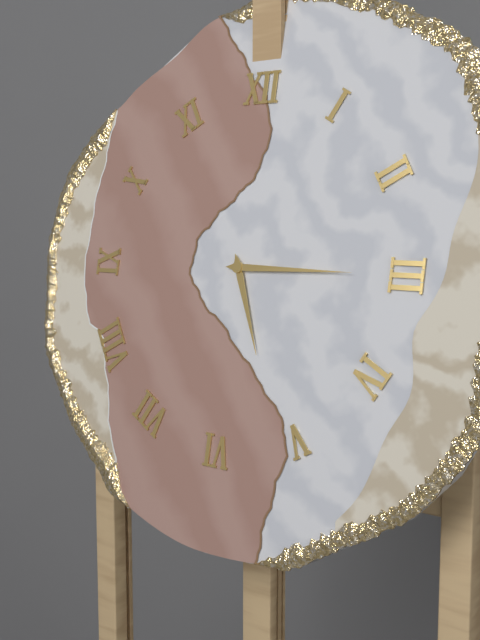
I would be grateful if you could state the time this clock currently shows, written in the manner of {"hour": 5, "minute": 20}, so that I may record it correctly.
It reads {"hour": 5, "minute": 15}
